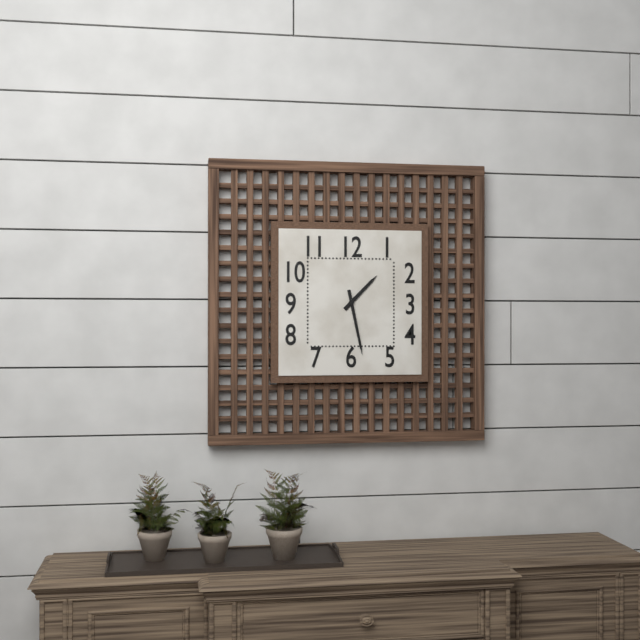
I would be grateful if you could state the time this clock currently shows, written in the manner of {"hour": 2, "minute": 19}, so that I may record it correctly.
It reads {"hour": 1, "minute": 28}
